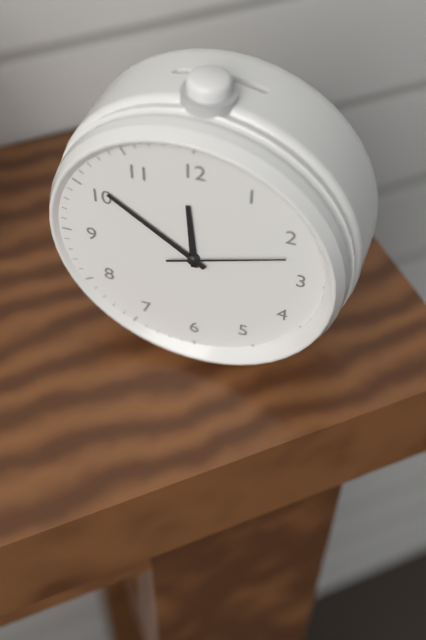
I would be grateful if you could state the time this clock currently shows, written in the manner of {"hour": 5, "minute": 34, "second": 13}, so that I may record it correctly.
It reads {"hour": 11, "minute": 51, "second": 12}
